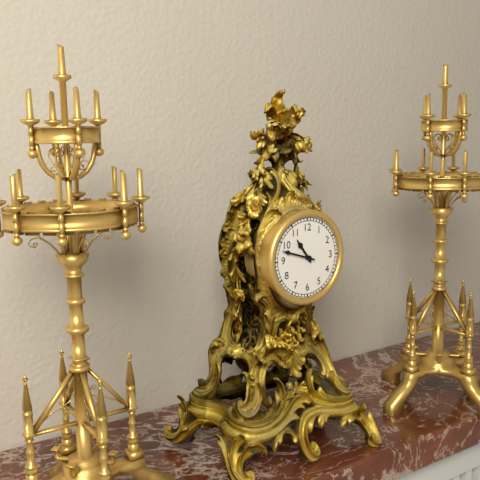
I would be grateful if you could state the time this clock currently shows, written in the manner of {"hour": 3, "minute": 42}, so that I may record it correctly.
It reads {"hour": 10, "minute": 48}
